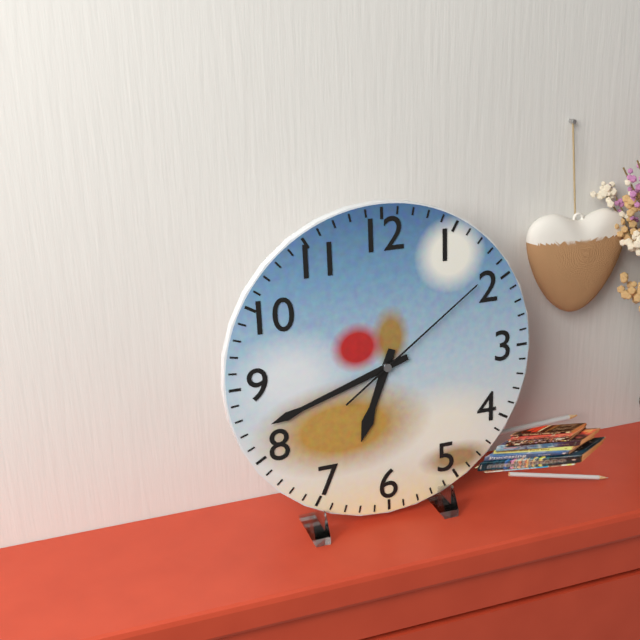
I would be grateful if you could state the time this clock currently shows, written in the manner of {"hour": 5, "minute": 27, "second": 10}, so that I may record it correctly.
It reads {"hour": 6, "minute": 42, "second": 9}
